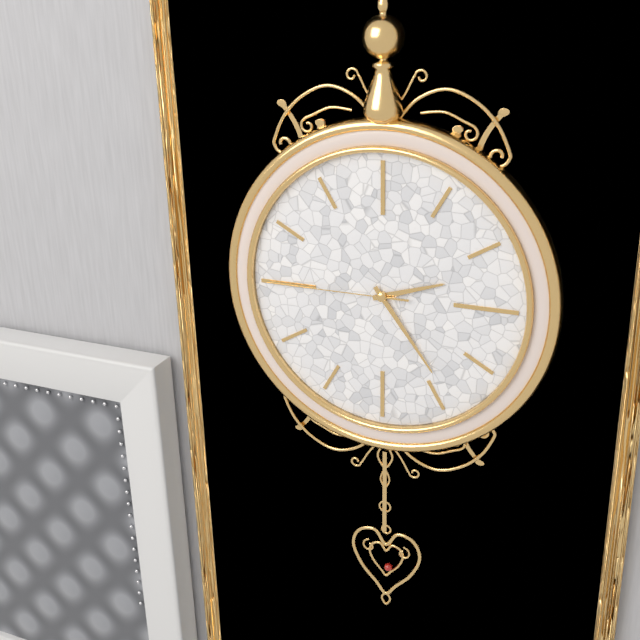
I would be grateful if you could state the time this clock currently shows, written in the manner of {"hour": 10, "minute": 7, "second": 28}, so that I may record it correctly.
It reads {"hour": 2, "minute": 24, "second": 45}
